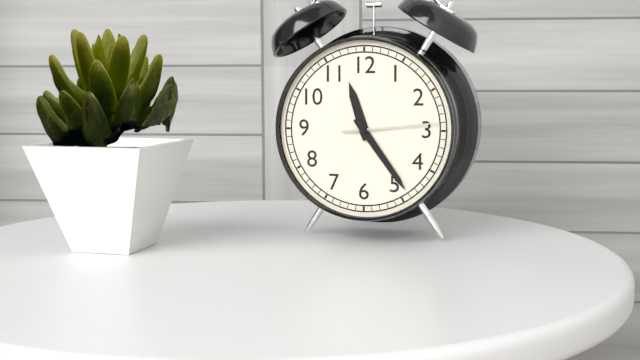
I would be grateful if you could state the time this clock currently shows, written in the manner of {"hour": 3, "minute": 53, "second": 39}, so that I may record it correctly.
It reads {"hour": 11, "minute": 24, "second": 14}
